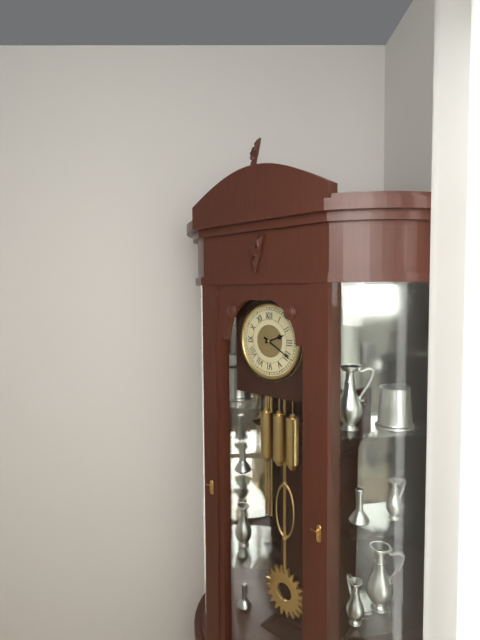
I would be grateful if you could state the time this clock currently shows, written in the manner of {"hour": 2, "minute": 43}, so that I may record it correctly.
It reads {"hour": 2, "minute": 20}
